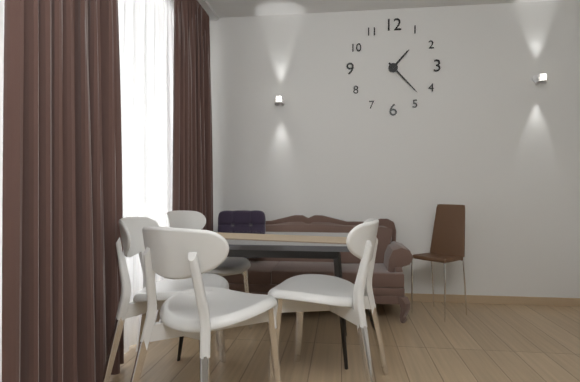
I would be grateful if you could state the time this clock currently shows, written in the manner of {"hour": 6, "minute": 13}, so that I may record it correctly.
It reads {"hour": 1, "minute": 23}
